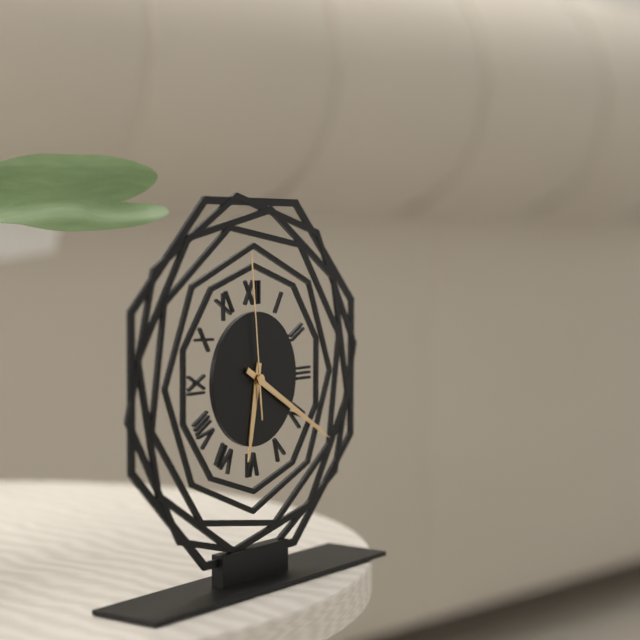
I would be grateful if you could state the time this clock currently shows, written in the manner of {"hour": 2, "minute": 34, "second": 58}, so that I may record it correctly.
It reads {"hour": 6, "minute": 20, "second": 59}
